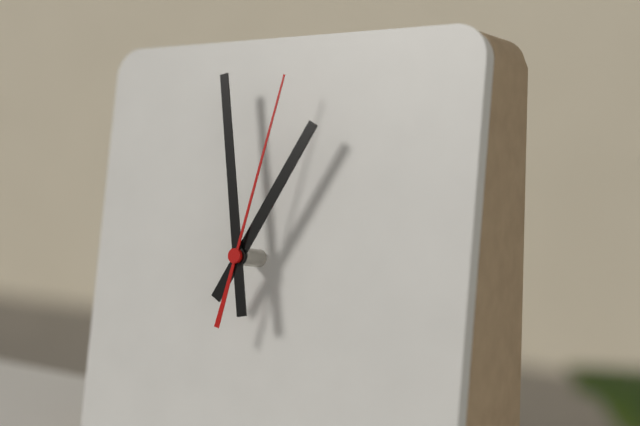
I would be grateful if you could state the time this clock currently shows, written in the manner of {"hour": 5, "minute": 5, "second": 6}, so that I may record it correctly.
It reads {"hour": 12, "minute": 58, "second": 2}
